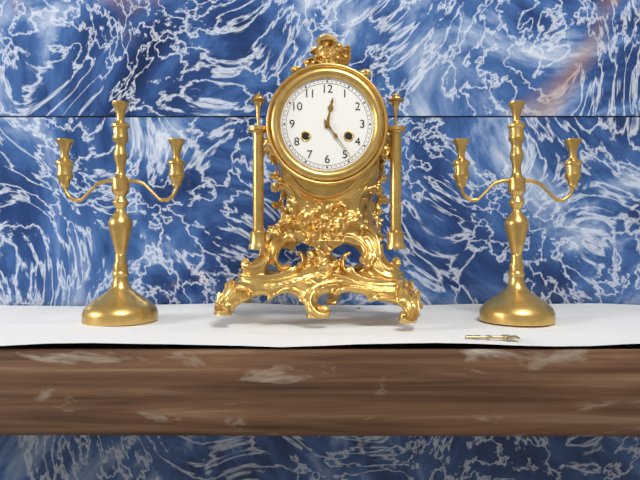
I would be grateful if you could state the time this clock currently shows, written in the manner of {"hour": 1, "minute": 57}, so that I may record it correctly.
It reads {"hour": 12, "minute": 24}
